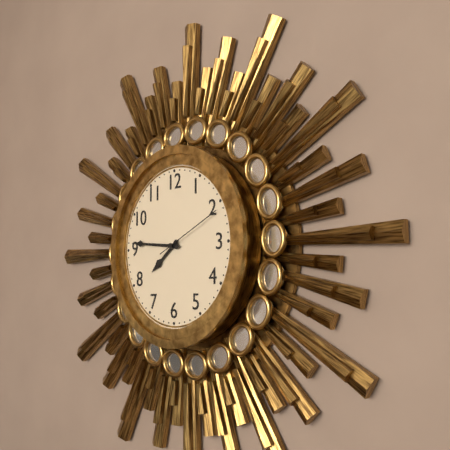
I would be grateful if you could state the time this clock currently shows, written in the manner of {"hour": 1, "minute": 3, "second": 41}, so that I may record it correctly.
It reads {"hour": 7, "minute": 46, "second": 11}
